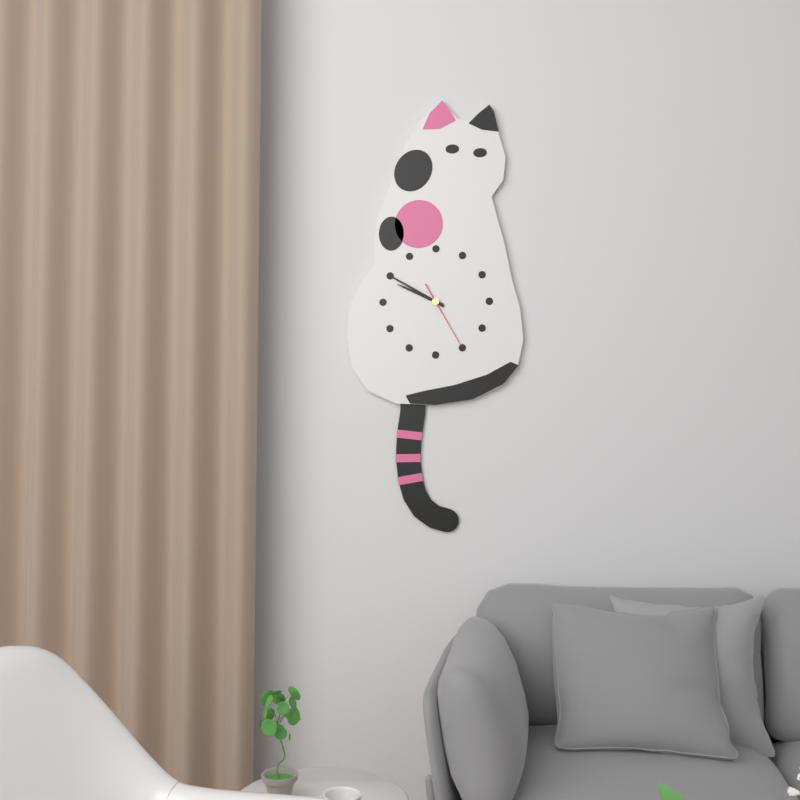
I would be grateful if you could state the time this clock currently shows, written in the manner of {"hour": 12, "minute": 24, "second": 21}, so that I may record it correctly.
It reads {"hour": 9, "minute": 50, "second": 25}
